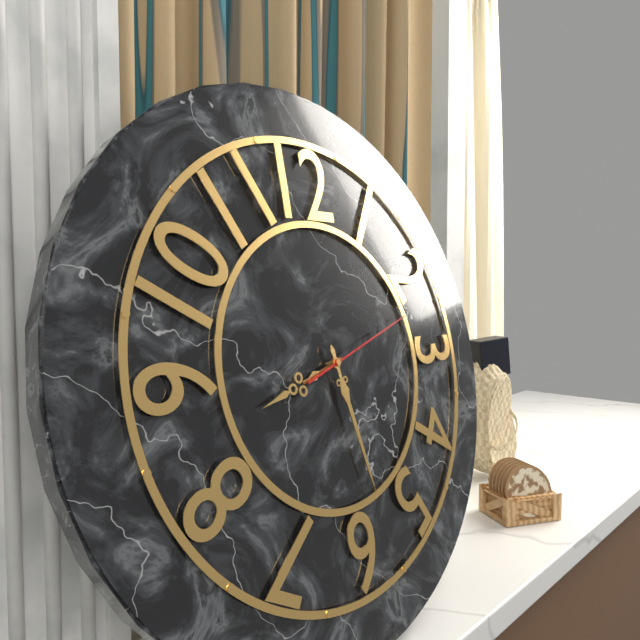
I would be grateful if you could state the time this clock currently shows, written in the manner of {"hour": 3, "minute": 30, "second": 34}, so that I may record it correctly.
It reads {"hour": 8, "minute": 28, "second": 12}
